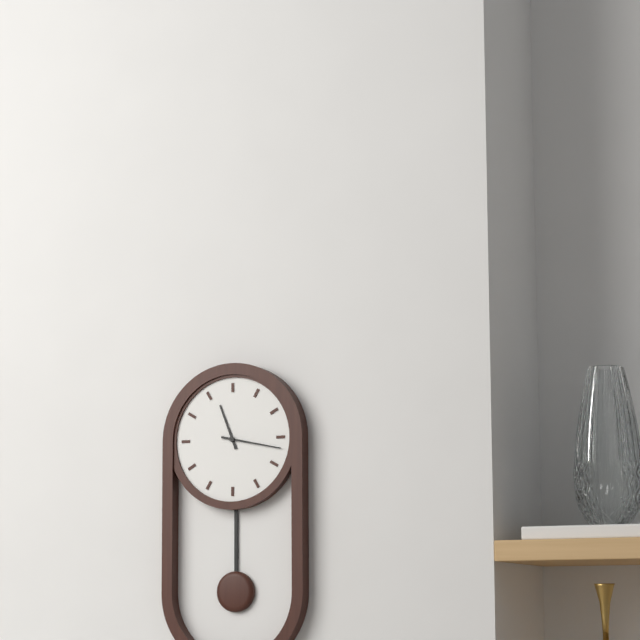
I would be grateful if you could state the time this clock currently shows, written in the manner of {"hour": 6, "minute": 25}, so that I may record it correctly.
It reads {"hour": 11, "minute": 17}
